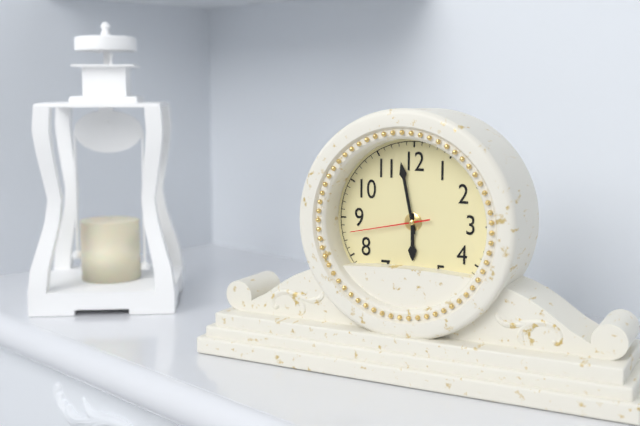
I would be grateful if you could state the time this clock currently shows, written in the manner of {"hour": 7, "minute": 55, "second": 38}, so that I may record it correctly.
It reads {"hour": 5, "minute": 58, "second": 43}
